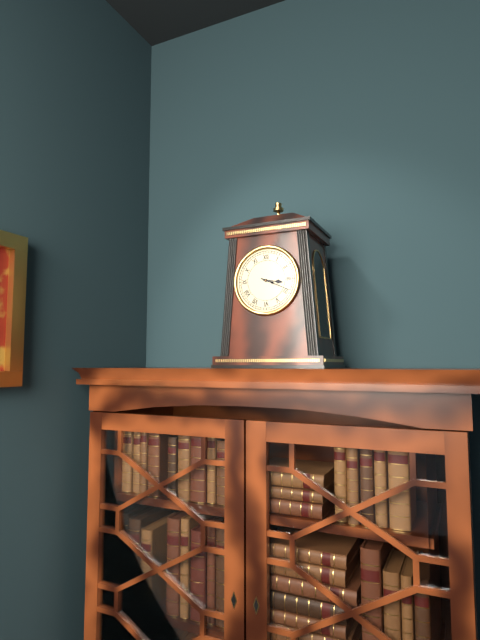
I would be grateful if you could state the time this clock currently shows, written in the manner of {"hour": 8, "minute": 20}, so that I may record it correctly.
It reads {"hour": 3, "minute": 19}
